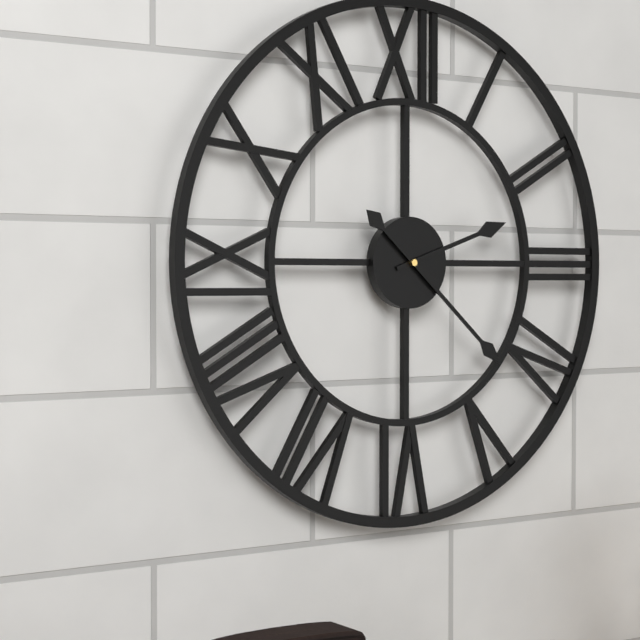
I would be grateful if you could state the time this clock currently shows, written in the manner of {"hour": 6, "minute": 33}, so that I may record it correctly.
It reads {"hour": 2, "minute": 22}
